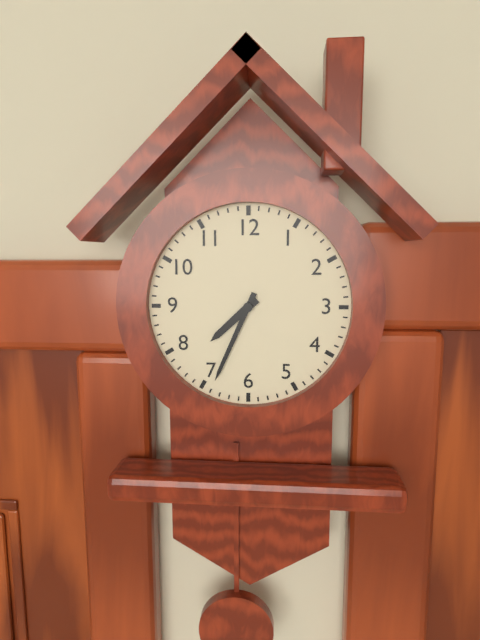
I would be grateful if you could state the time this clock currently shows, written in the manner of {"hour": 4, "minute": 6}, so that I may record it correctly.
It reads {"hour": 7, "minute": 34}
